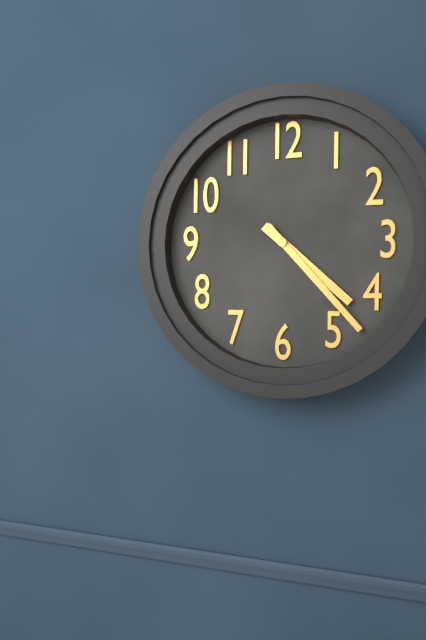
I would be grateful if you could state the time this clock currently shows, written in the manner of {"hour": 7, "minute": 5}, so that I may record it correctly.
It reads {"hour": 4, "minute": 23}
